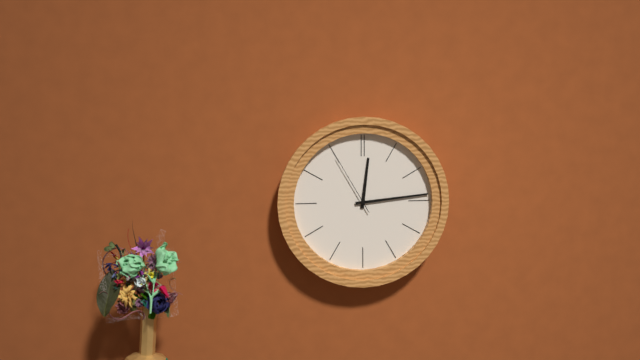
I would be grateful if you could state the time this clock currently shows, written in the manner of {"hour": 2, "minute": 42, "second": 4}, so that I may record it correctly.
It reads {"hour": 12, "minute": 14, "second": 55}
